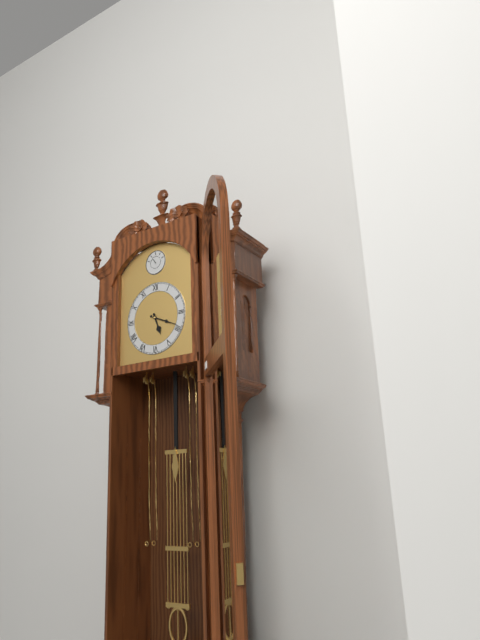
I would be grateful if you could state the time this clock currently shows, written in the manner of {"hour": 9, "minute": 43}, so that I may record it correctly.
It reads {"hour": 5, "minute": 19}
